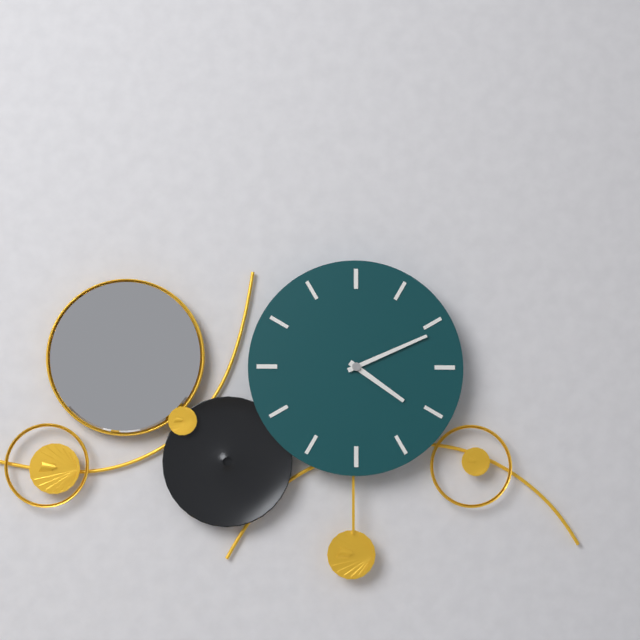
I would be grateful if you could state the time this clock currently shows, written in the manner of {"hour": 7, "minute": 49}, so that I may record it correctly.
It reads {"hour": 4, "minute": 11}
